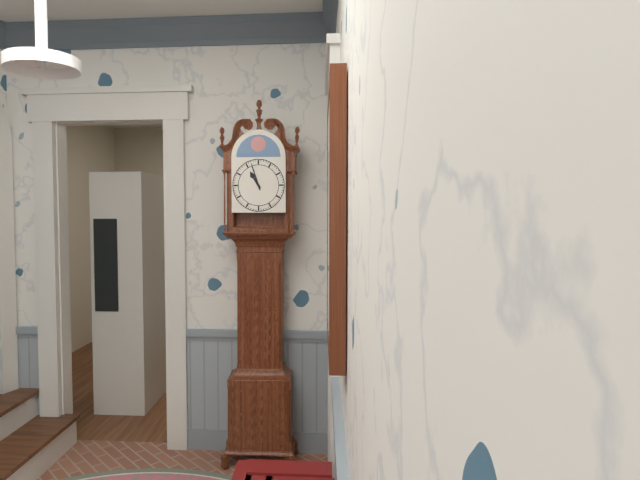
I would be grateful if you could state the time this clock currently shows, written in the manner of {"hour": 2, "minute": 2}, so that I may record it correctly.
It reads {"hour": 10, "minute": 57}
